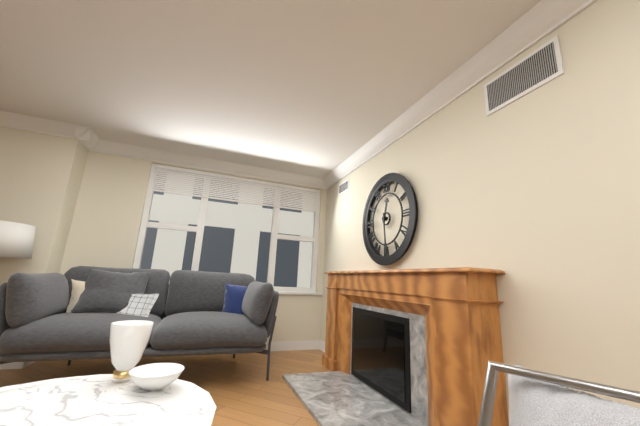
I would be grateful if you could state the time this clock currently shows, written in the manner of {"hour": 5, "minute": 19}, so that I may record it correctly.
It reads {"hour": 12, "minute": 29}
